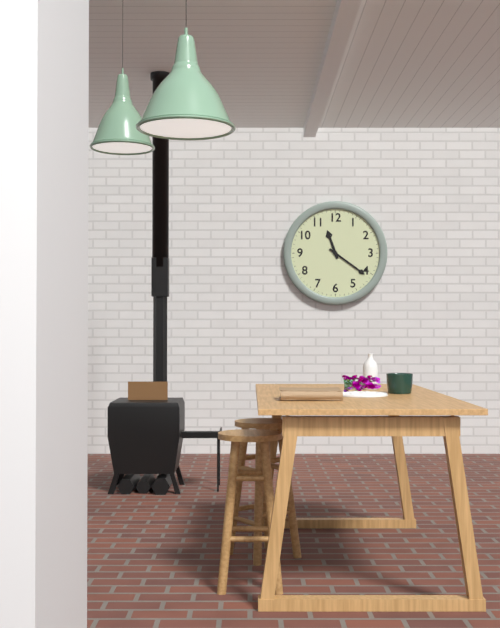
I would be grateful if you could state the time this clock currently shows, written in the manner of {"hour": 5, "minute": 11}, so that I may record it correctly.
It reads {"hour": 11, "minute": 21}
